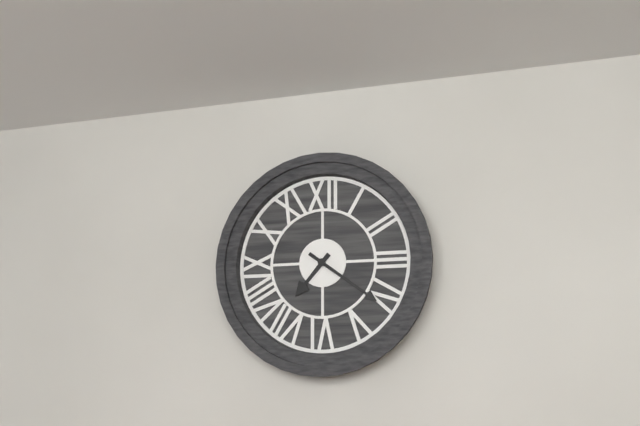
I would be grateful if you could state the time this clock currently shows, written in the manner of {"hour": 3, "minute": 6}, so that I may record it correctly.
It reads {"hour": 7, "minute": 21}
